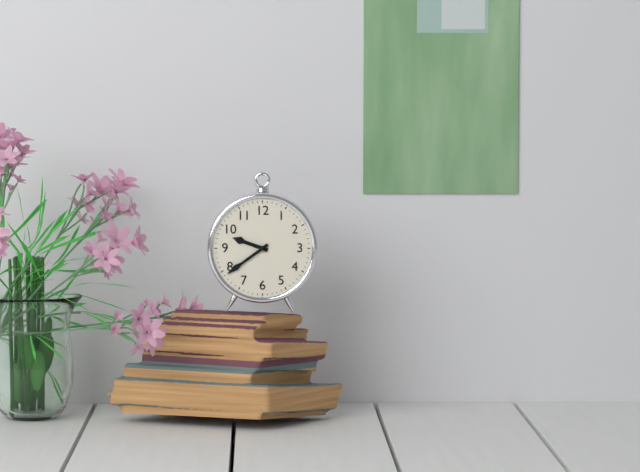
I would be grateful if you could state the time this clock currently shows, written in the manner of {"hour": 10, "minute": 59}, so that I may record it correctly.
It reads {"hour": 9, "minute": 39}
